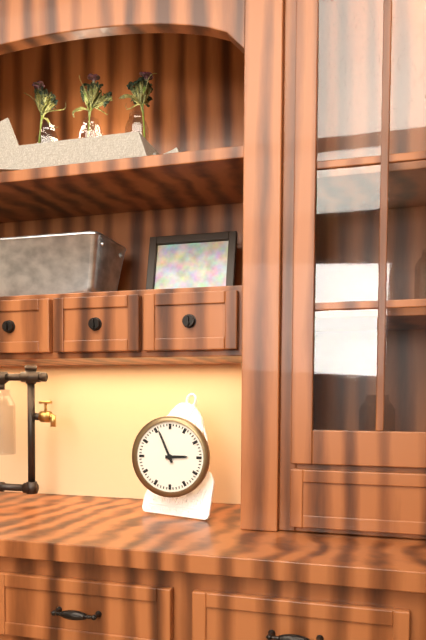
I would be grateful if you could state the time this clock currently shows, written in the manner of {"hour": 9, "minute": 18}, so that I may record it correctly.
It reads {"hour": 2, "minute": 56}
